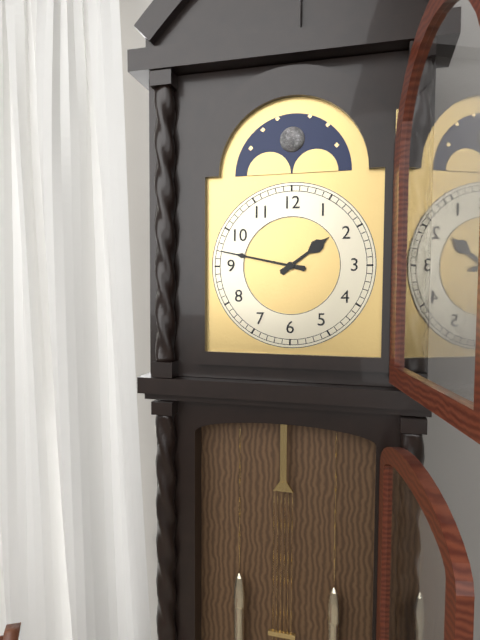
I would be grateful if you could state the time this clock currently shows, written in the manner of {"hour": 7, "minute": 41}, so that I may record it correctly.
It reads {"hour": 1, "minute": 47}
